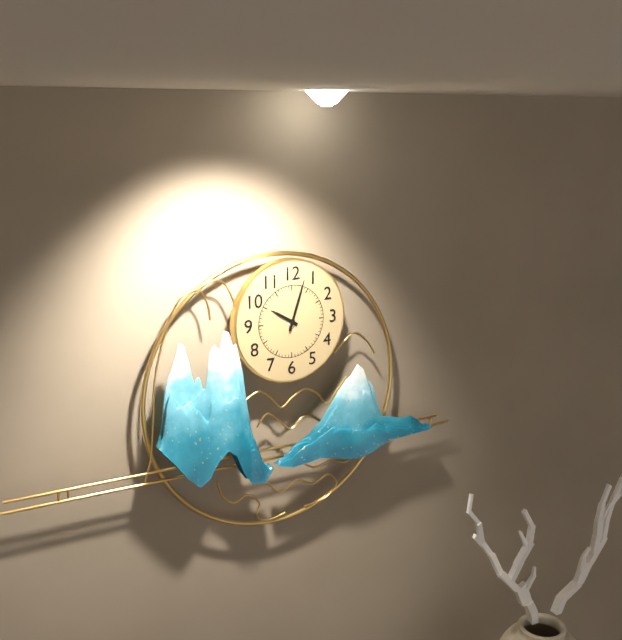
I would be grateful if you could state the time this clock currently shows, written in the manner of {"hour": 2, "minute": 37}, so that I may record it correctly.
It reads {"hour": 10, "minute": 3}
